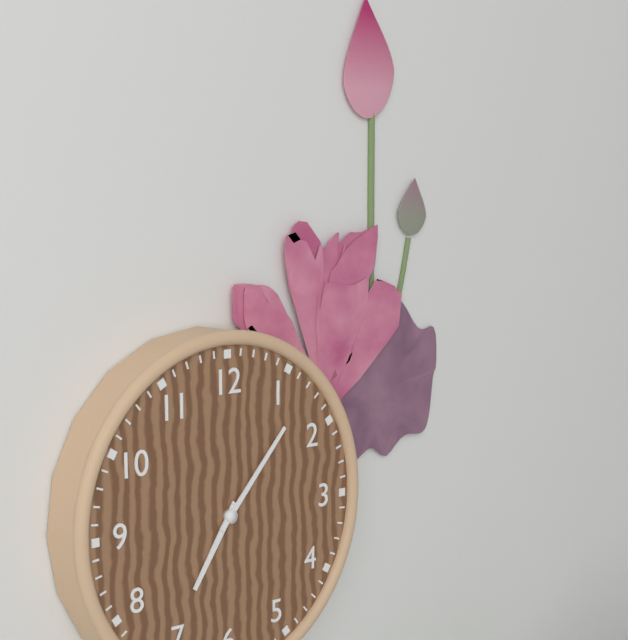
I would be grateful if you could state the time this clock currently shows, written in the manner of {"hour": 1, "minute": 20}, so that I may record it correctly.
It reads {"hour": 7, "minute": 7}
